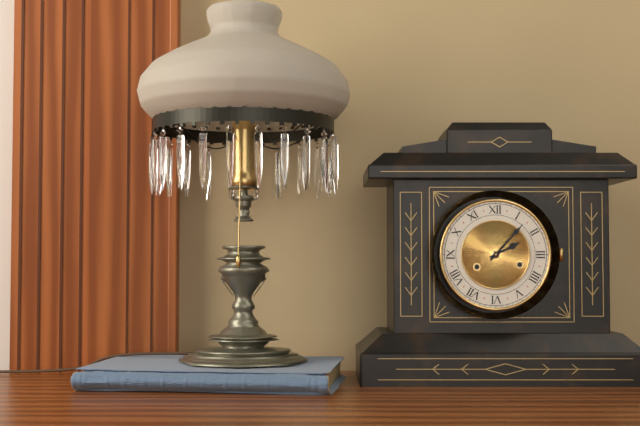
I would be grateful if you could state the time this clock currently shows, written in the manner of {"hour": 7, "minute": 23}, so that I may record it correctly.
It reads {"hour": 2, "minute": 7}
